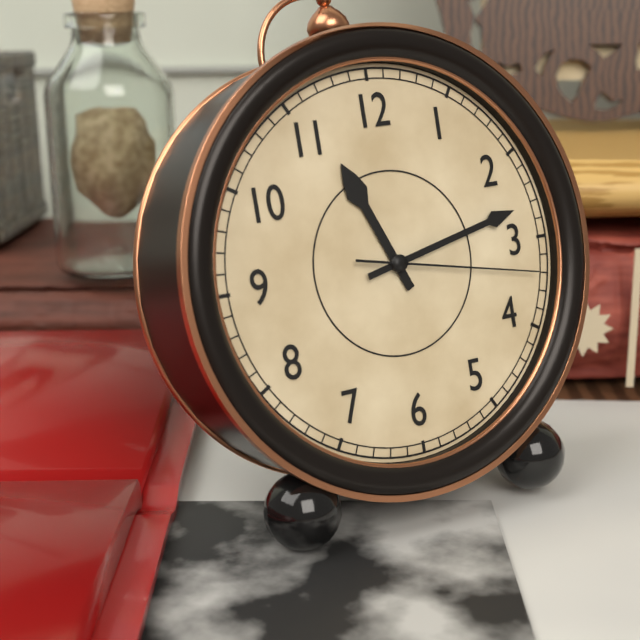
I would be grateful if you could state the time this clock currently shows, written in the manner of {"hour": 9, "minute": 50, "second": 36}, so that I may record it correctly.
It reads {"hour": 11, "minute": 13, "second": 17}
